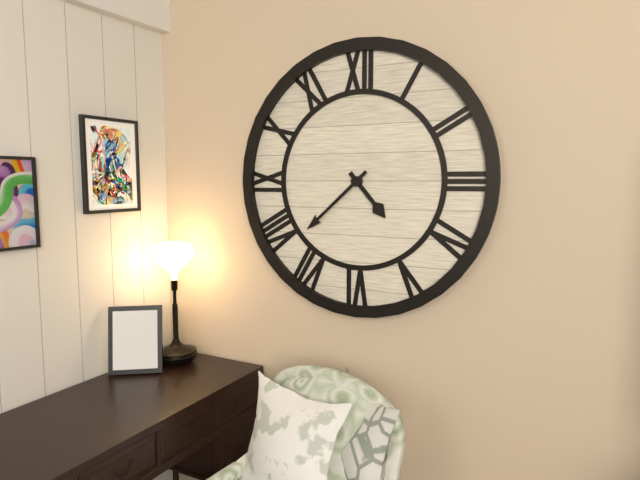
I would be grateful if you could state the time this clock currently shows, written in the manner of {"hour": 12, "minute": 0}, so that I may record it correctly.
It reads {"hour": 4, "minute": 38}
